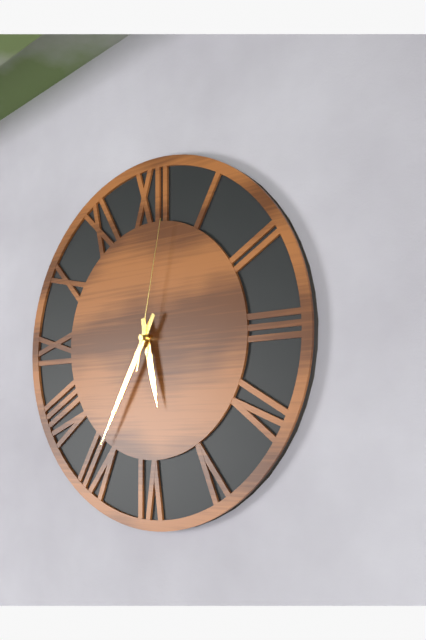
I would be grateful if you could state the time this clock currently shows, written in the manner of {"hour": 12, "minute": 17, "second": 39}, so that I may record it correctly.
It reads {"hour": 5, "minute": 35, "second": 2}
